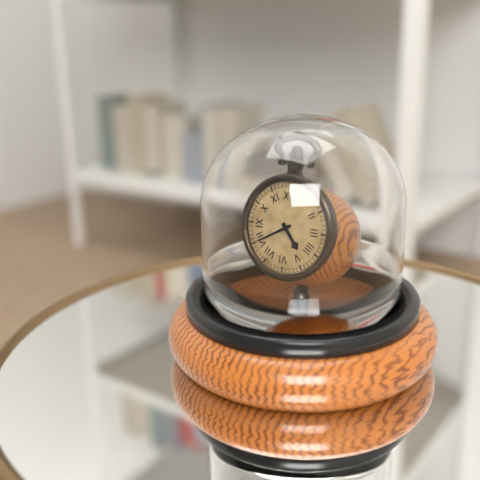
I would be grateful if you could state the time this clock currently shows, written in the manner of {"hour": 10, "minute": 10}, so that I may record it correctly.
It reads {"hour": 4, "minute": 40}
